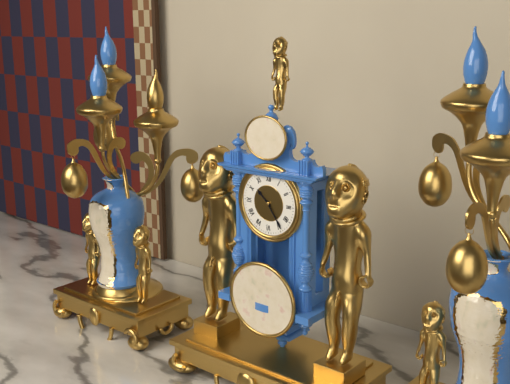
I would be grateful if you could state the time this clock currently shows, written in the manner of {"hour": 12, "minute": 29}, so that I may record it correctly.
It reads {"hour": 10, "minute": 24}
